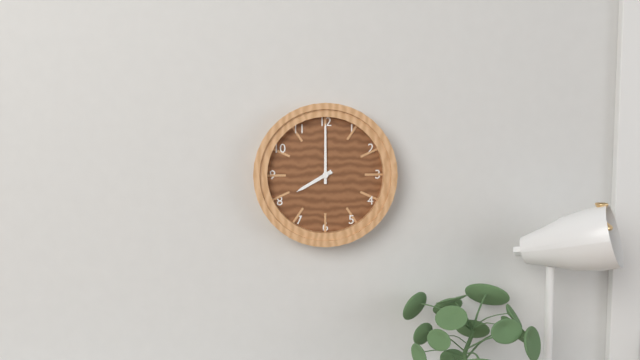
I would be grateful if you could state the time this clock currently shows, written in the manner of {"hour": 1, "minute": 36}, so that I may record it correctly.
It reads {"hour": 8, "minute": 0}
